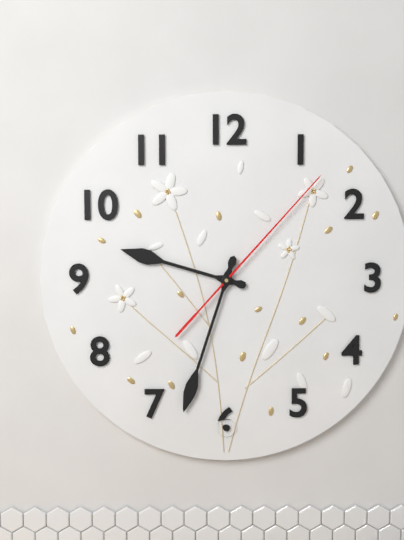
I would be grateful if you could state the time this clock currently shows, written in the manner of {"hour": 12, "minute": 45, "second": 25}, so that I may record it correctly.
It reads {"hour": 9, "minute": 33, "second": 7}
